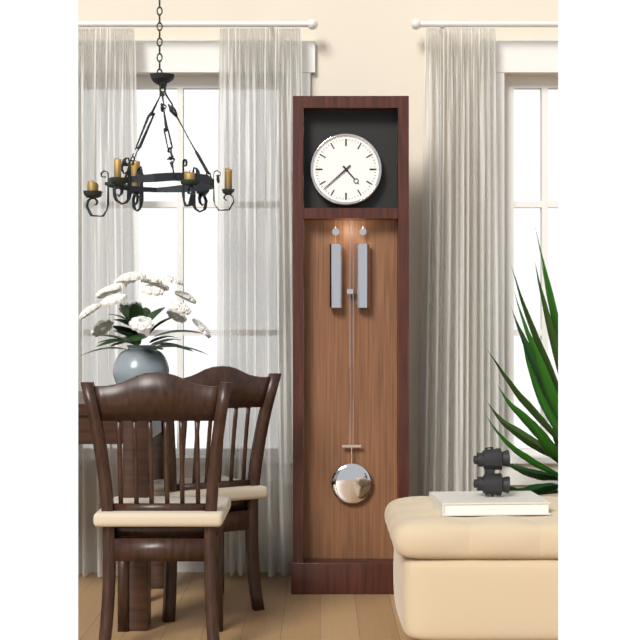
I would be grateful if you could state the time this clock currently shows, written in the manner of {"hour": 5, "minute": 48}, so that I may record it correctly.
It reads {"hour": 4, "minute": 38}
